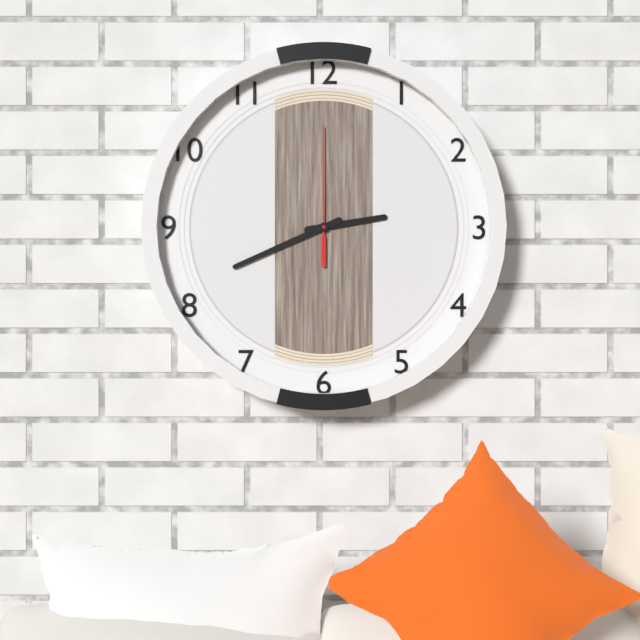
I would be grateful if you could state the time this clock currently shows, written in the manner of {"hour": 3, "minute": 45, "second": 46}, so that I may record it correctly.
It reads {"hour": 2, "minute": 41, "second": 0}
